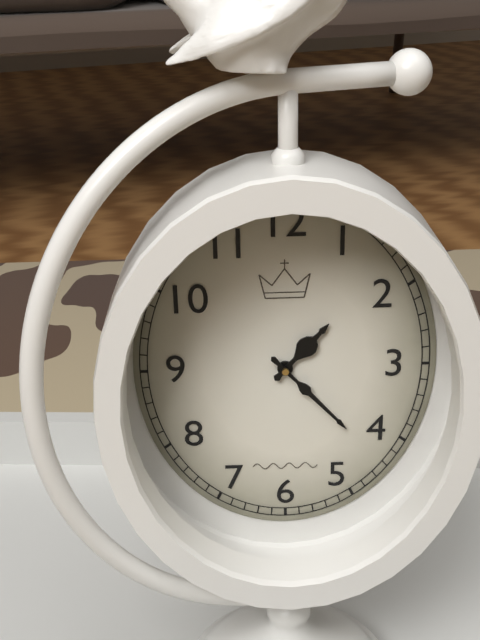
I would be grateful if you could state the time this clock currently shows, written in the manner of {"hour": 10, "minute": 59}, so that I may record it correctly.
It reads {"hour": 1, "minute": 23}
